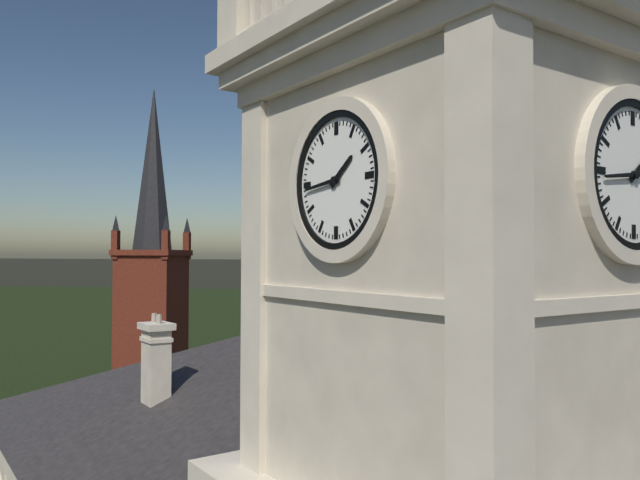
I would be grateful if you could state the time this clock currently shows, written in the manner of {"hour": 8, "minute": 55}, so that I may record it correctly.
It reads {"hour": 1, "minute": 44}
